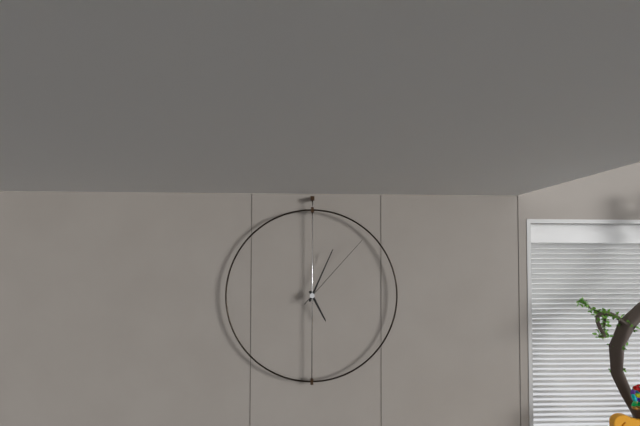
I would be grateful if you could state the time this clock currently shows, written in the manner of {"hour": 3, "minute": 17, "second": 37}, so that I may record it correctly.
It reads {"hour": 5, "minute": 4, "second": 7}
